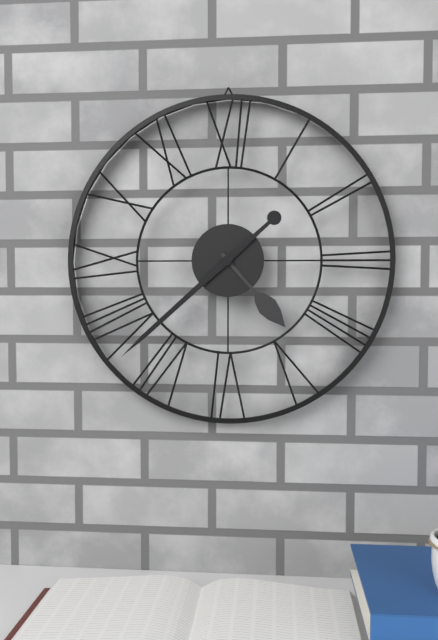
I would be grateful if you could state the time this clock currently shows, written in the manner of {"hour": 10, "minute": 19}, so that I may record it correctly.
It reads {"hour": 4, "minute": 38}
